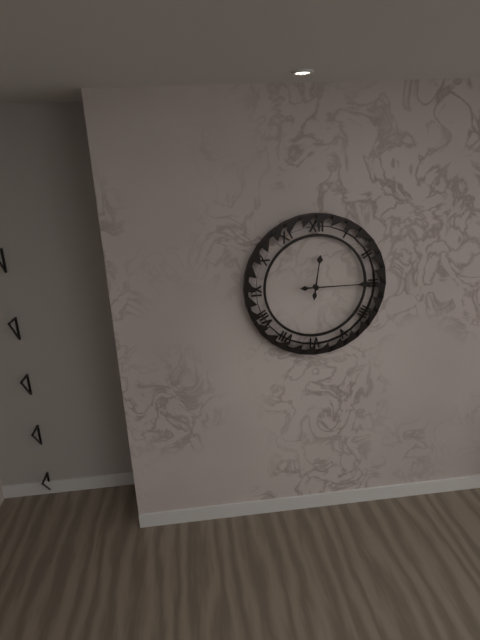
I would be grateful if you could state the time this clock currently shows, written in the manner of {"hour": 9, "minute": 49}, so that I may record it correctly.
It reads {"hour": 12, "minute": 15}
